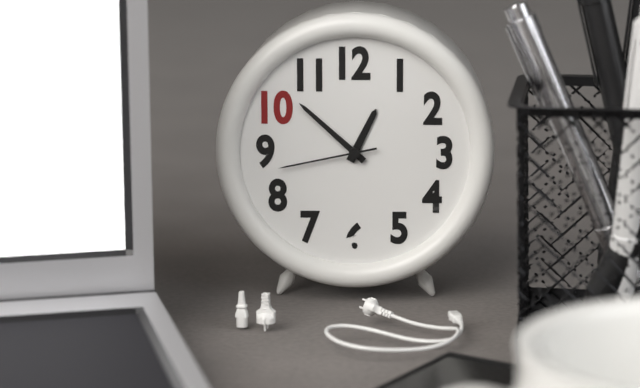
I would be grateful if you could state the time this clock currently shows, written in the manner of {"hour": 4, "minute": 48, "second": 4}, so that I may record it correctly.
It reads {"hour": 12, "minute": 52, "second": 43}
